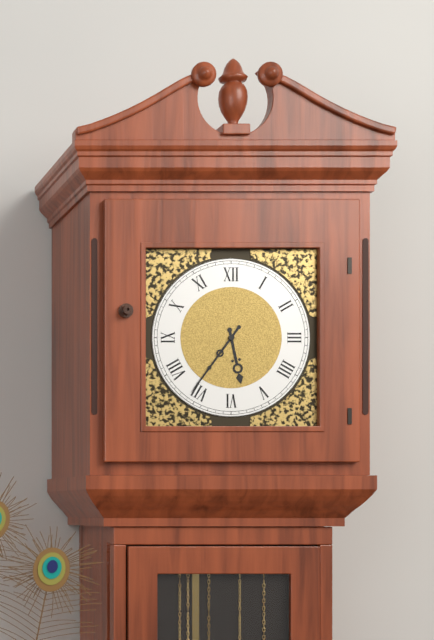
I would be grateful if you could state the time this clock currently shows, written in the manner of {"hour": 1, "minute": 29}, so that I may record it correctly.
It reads {"hour": 5, "minute": 36}
